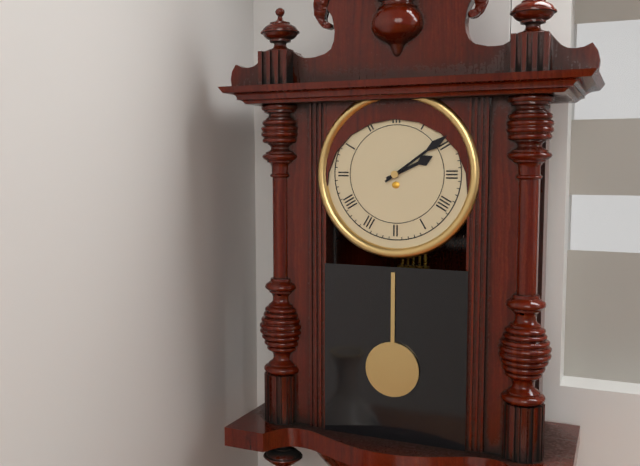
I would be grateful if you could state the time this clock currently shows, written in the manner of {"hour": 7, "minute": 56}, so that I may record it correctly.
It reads {"hour": 2, "minute": 9}
